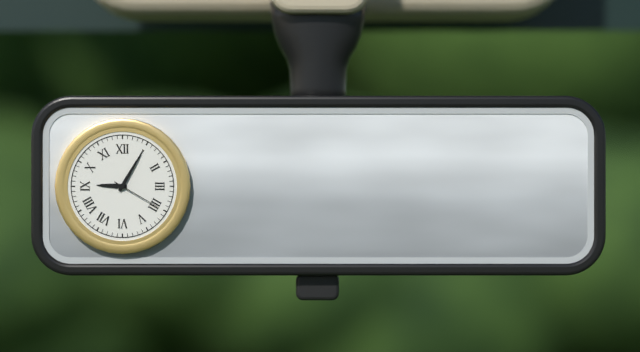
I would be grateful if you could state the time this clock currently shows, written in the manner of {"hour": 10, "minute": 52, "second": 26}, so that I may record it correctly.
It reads {"hour": 9, "minute": 5, "second": 20}
